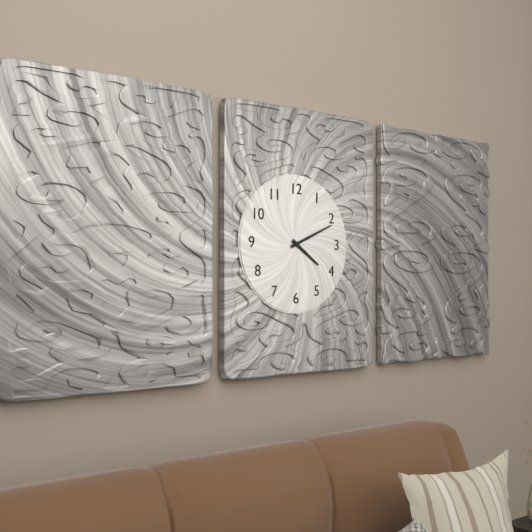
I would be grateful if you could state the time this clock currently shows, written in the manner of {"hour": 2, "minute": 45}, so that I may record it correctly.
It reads {"hour": 4, "minute": 11}
